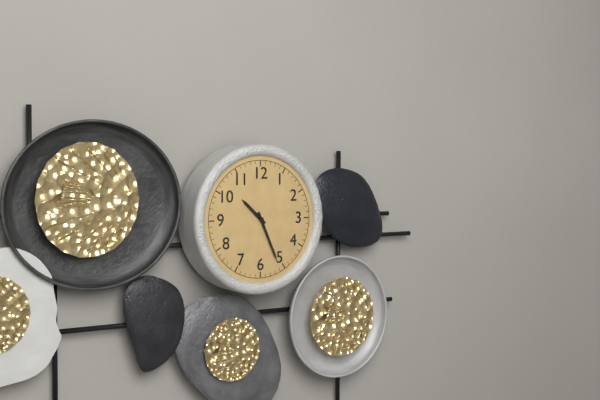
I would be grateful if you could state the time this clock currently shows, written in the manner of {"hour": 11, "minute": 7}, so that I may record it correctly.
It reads {"hour": 10, "minute": 26}
